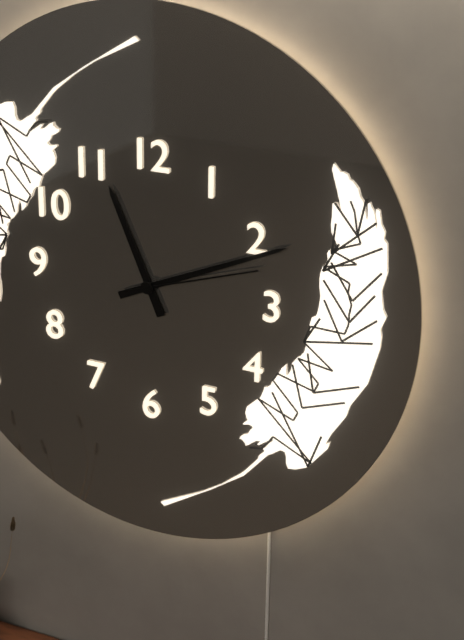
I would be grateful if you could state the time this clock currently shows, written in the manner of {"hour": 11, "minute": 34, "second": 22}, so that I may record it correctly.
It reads {"hour": 11, "minute": 11, "second": 12}
